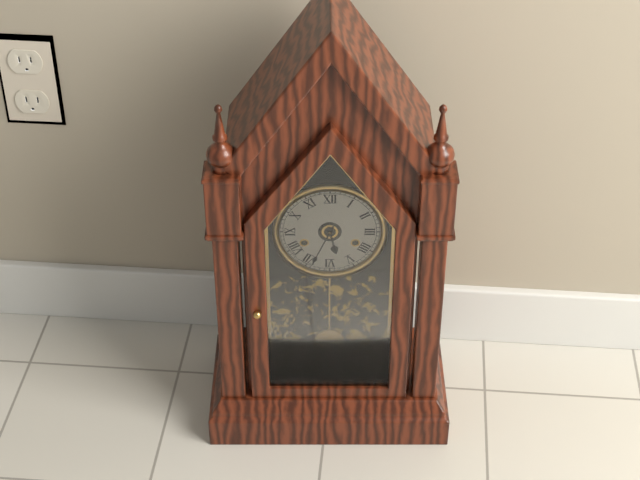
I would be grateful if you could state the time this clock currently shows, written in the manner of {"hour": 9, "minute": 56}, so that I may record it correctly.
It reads {"hour": 5, "minute": 34}
